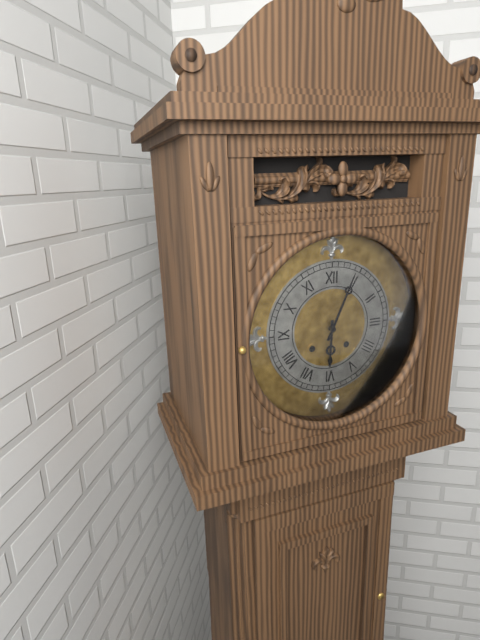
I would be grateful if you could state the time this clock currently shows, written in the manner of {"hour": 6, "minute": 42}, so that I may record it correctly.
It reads {"hour": 6, "minute": 4}
